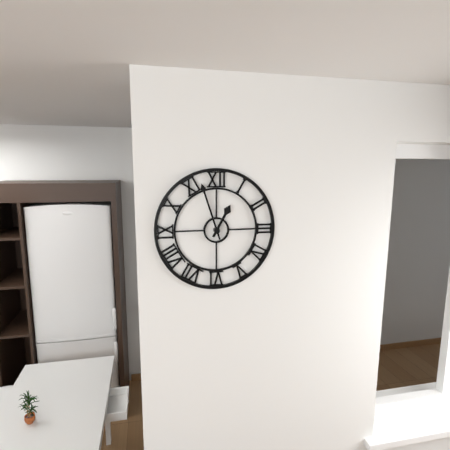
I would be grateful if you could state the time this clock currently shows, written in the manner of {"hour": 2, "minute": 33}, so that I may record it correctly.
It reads {"hour": 12, "minute": 57}
